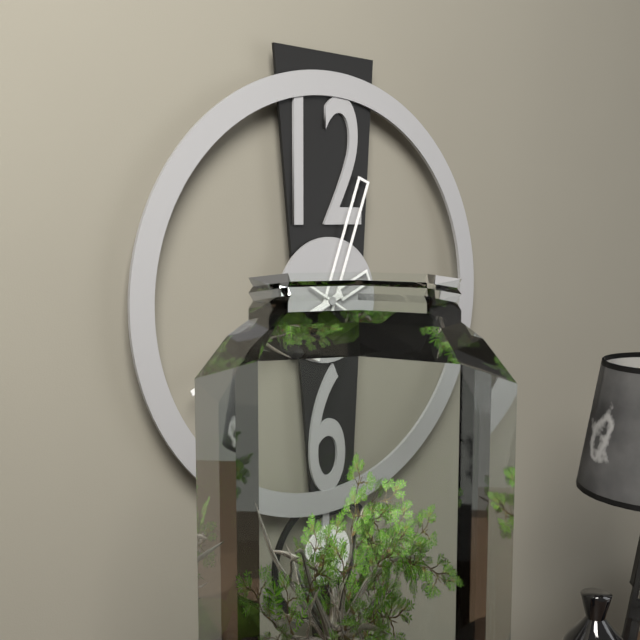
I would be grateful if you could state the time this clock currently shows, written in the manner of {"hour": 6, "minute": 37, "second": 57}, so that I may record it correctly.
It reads {"hour": 12, "minute": 41, "second": 20}
